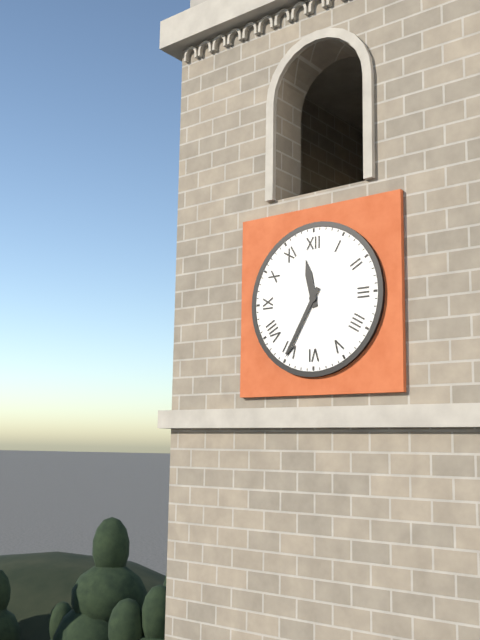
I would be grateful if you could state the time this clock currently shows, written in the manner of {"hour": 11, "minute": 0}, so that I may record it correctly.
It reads {"hour": 11, "minute": 35}
